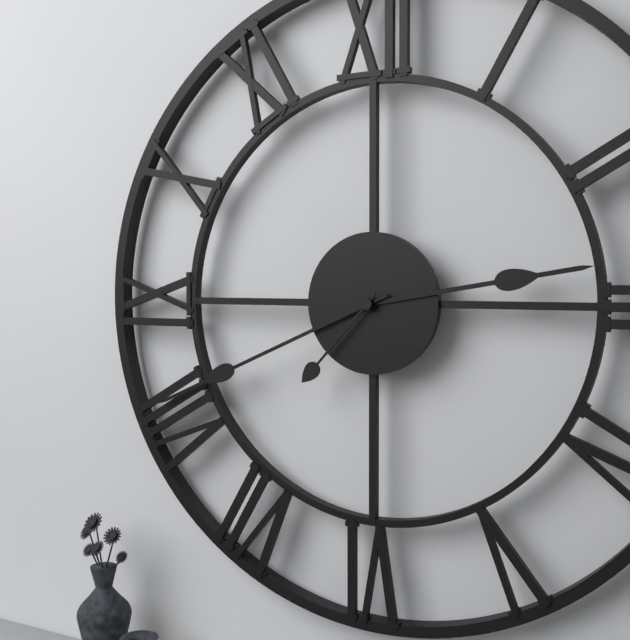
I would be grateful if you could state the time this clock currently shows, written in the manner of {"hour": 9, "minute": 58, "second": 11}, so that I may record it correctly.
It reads {"hour": 2, "minute": 41, "second": 37}
